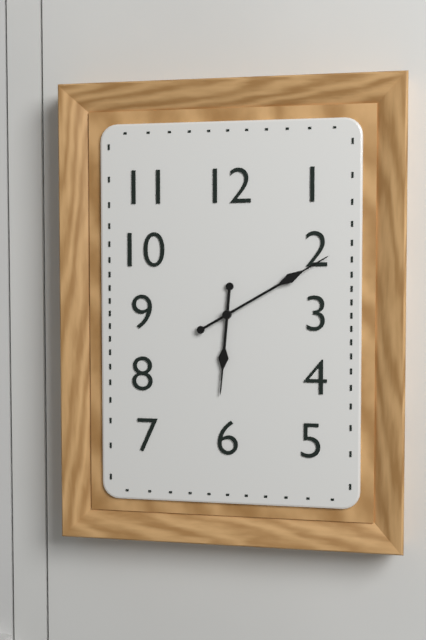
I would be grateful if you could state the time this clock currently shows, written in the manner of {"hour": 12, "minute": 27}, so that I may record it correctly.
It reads {"hour": 6, "minute": 10}
